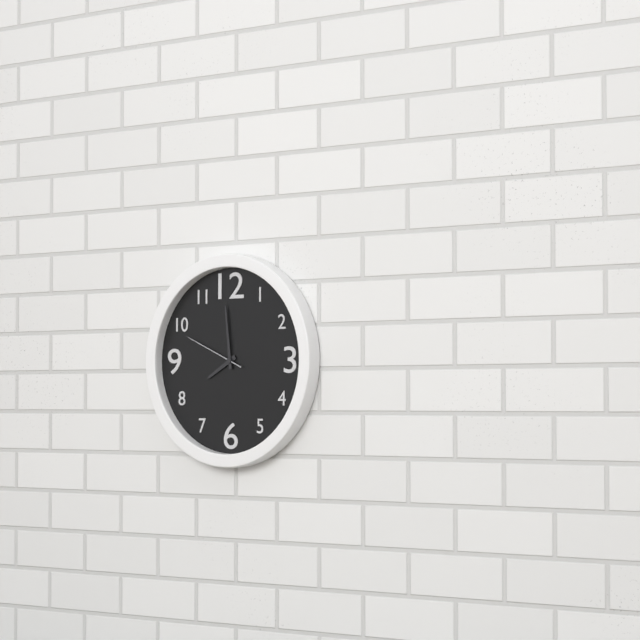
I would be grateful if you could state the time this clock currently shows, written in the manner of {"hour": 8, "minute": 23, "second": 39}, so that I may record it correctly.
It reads {"hour": 7, "minute": 59, "second": 49}
